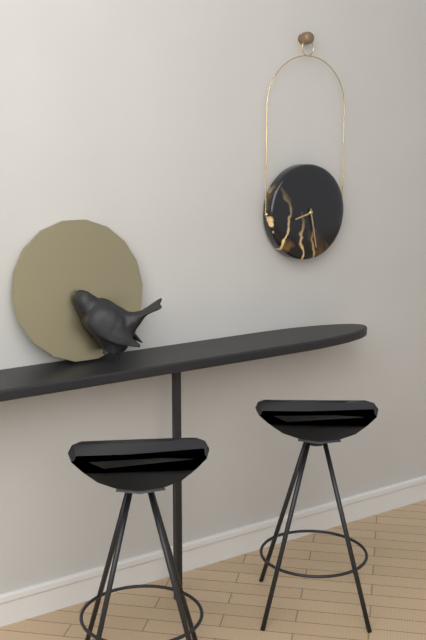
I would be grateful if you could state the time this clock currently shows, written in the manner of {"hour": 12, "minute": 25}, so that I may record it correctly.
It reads {"hour": 8, "minute": 28}
